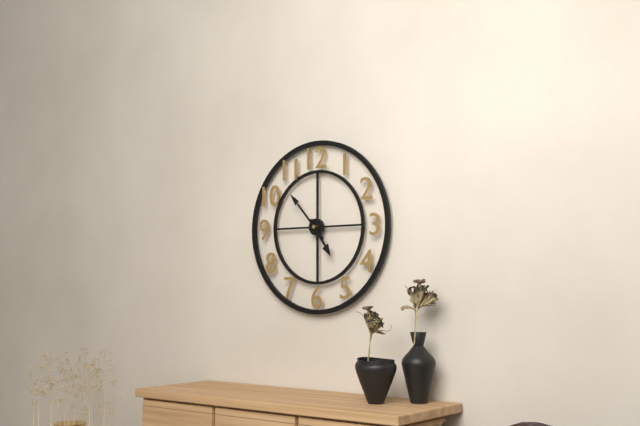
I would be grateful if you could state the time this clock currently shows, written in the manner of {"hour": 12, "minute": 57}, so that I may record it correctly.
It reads {"hour": 4, "minute": 53}
